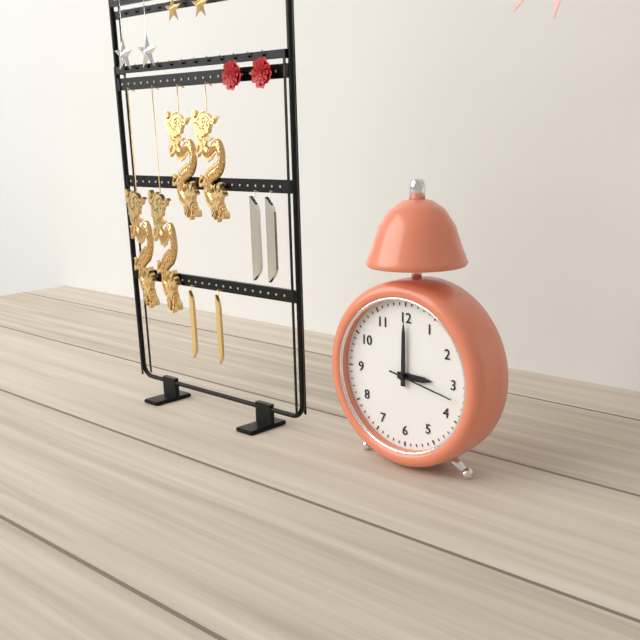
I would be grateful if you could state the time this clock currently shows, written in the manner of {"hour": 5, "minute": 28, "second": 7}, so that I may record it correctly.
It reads {"hour": 3, "minute": 0, "second": 17}
